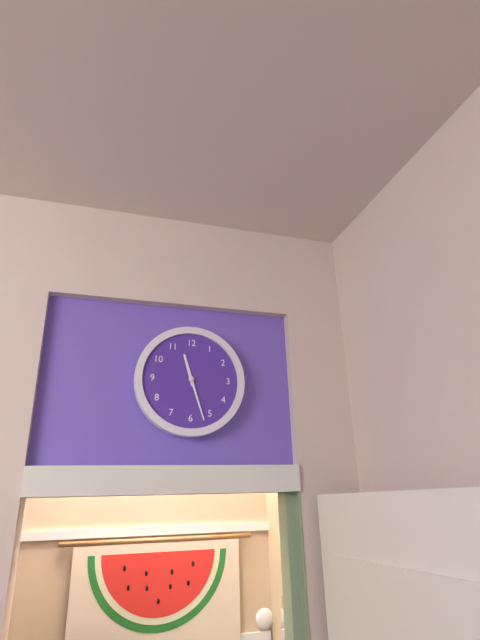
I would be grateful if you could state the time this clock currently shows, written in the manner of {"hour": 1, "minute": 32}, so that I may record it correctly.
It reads {"hour": 11, "minute": 27}
